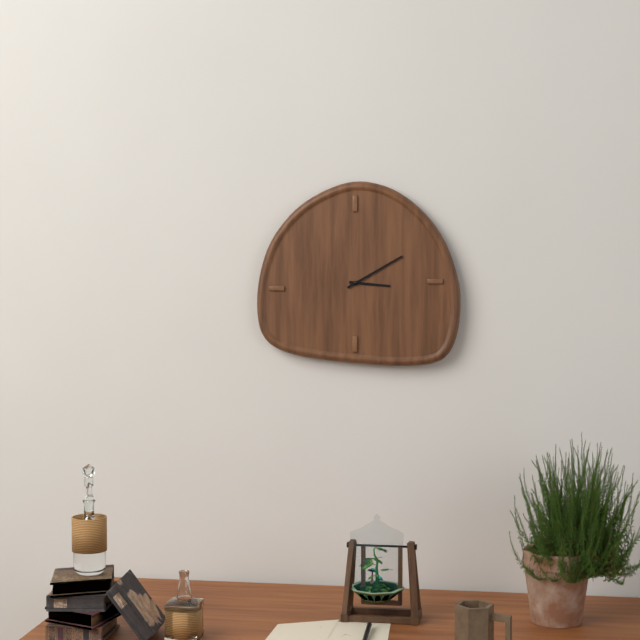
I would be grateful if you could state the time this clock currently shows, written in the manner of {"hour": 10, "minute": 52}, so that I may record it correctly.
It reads {"hour": 3, "minute": 10}
